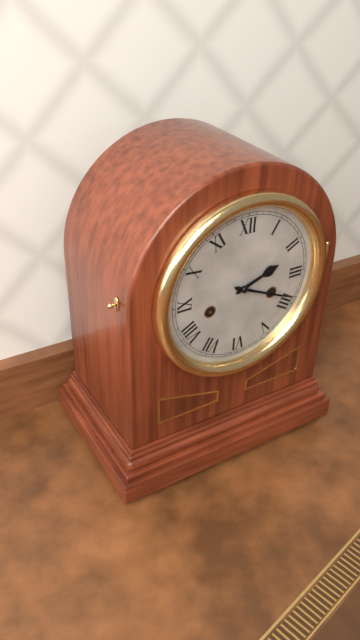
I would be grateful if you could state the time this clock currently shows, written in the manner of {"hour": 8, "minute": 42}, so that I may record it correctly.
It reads {"hour": 2, "minute": 19}
